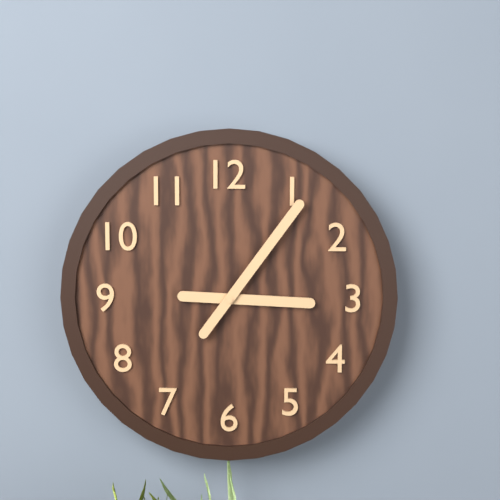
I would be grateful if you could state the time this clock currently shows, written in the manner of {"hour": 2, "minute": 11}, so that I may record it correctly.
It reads {"hour": 3, "minute": 6}
